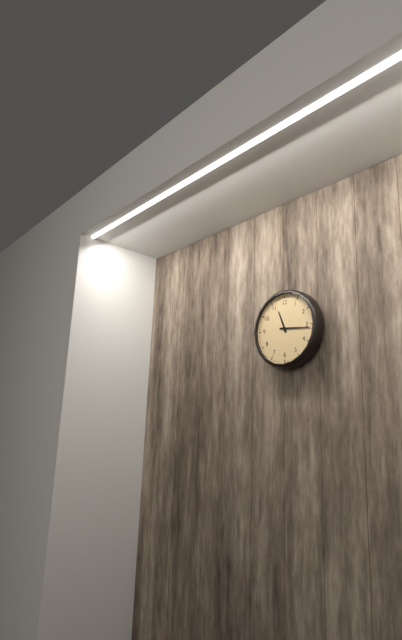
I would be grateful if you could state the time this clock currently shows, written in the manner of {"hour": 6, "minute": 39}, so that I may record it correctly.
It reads {"hour": 11, "minute": 16}
